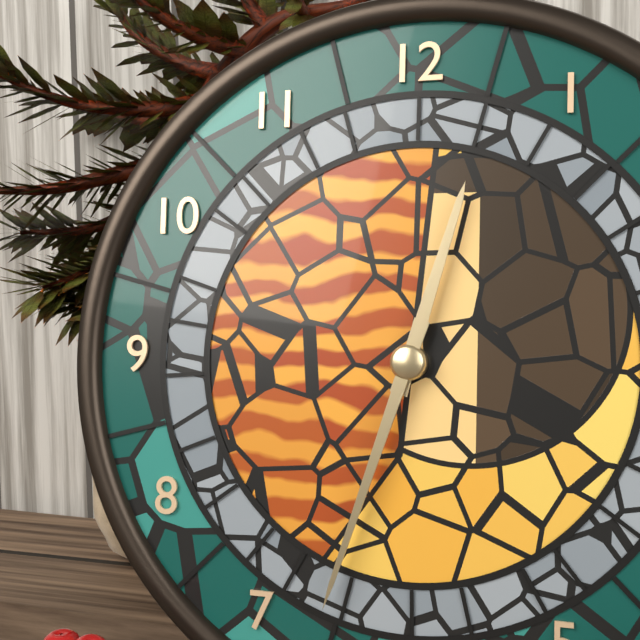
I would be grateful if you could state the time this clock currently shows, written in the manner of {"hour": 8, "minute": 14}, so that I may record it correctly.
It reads {"hour": 12, "minute": 33}
